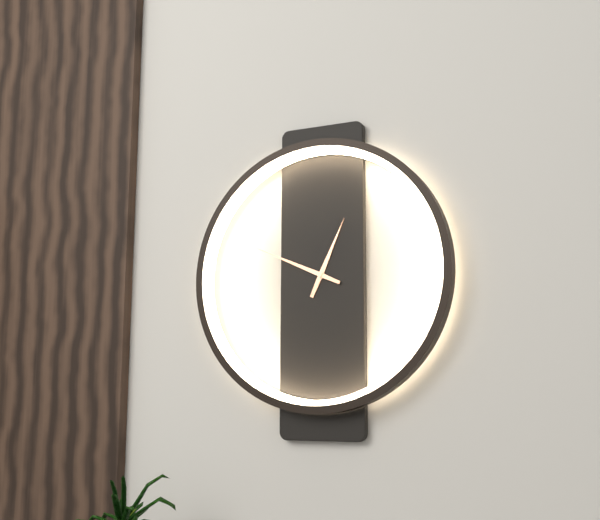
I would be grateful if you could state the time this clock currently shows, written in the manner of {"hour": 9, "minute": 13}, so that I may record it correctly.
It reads {"hour": 12, "minute": 49}
